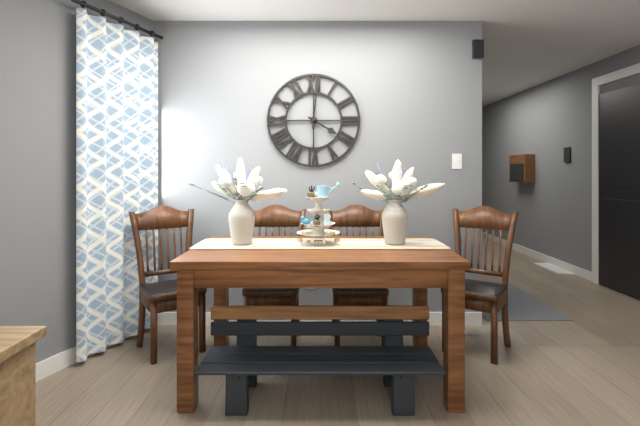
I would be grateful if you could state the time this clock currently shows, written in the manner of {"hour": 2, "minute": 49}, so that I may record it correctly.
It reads {"hour": 4, "minute": 1}
